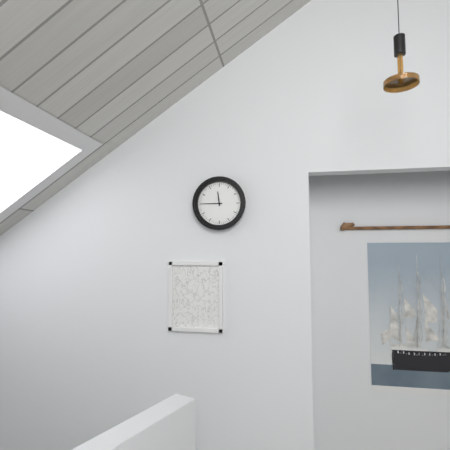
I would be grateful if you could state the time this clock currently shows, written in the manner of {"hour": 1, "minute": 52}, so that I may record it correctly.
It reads {"hour": 11, "minute": 45}
